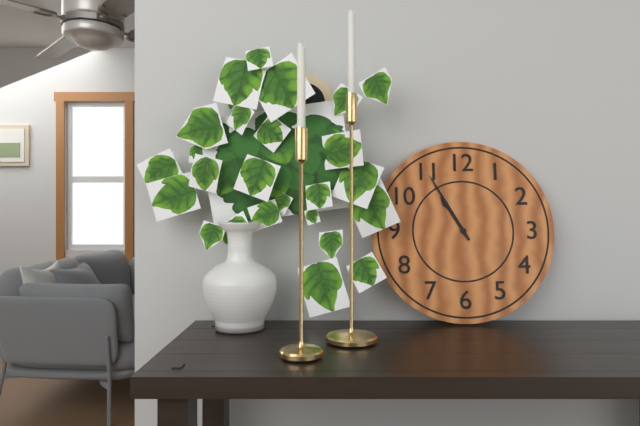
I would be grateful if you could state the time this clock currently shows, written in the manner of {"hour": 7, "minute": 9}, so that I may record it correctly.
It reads {"hour": 10, "minute": 55}
